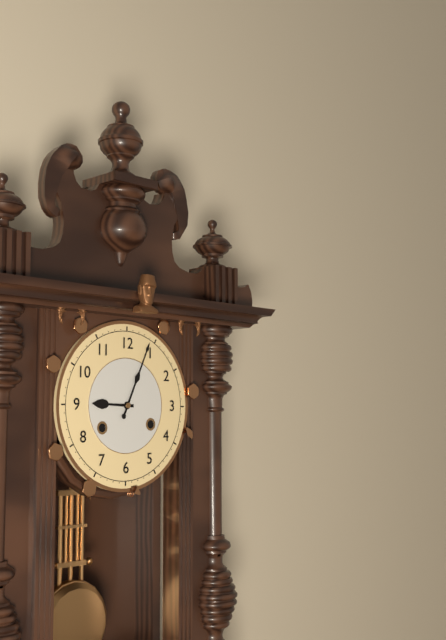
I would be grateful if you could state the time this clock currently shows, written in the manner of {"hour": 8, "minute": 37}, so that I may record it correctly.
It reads {"hour": 9, "minute": 4}
